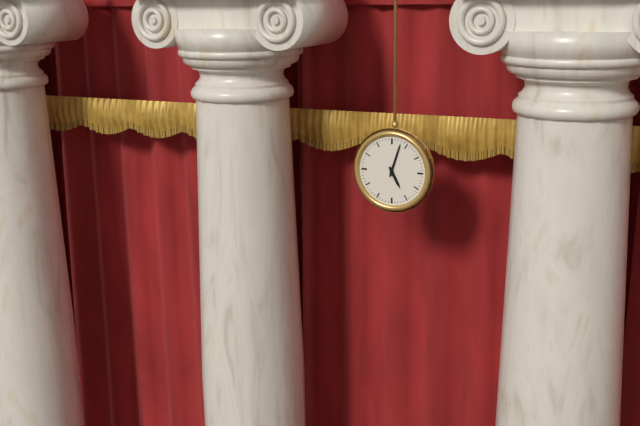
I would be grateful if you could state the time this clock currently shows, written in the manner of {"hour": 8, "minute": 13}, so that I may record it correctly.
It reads {"hour": 5, "minute": 3}
